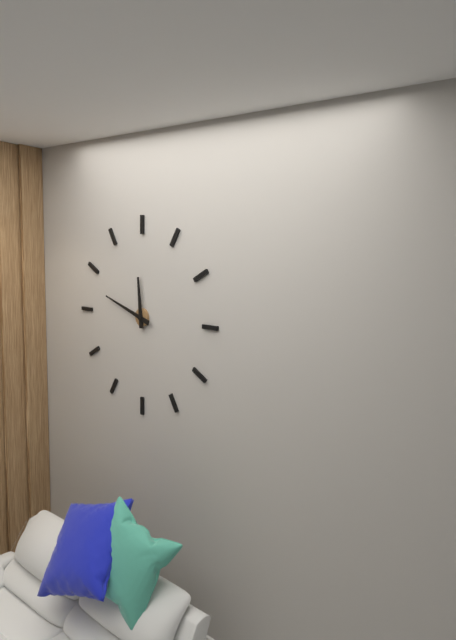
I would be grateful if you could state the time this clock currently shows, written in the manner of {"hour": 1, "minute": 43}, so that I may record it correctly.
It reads {"hour": 11, "minute": 48}
